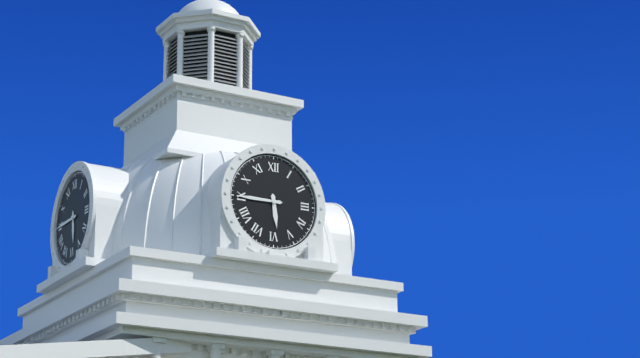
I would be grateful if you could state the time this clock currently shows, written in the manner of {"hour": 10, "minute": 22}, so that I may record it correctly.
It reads {"hour": 5, "minute": 45}
